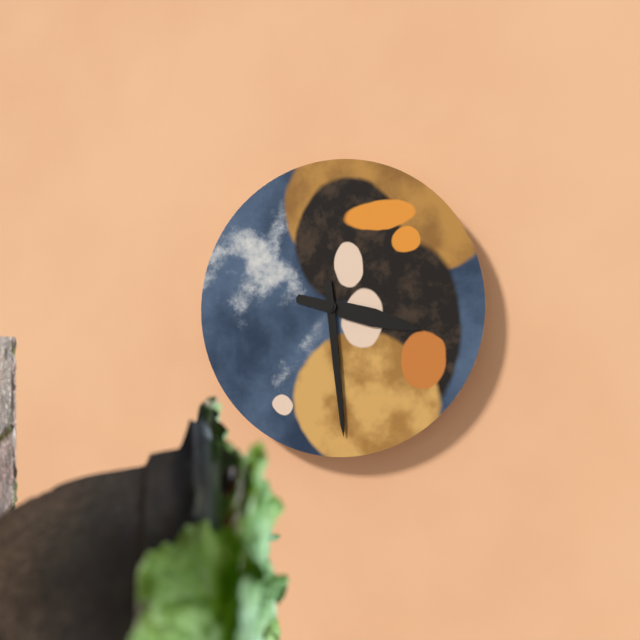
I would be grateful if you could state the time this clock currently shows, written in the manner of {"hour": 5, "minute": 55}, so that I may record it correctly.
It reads {"hour": 3, "minute": 29}
